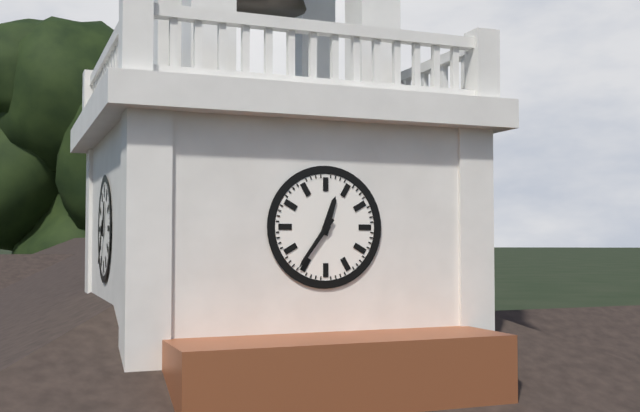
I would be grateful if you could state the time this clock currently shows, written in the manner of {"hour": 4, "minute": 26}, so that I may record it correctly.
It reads {"hour": 12, "minute": 36}
